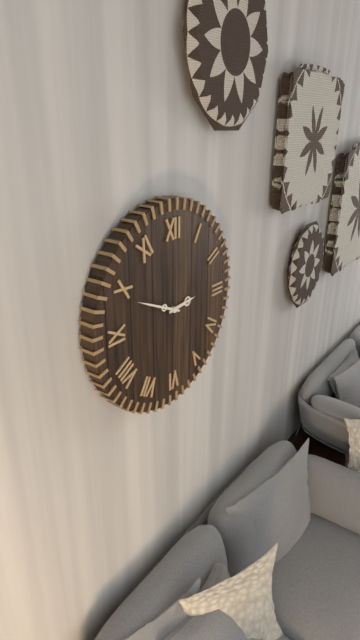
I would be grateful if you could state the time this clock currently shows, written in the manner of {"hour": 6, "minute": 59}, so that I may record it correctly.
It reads {"hour": 2, "minute": 49}
